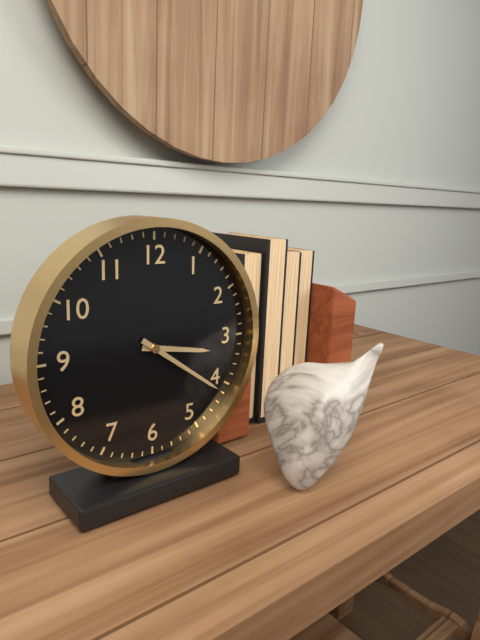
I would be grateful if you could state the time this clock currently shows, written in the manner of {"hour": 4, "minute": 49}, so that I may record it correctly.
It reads {"hour": 3, "minute": 21}
